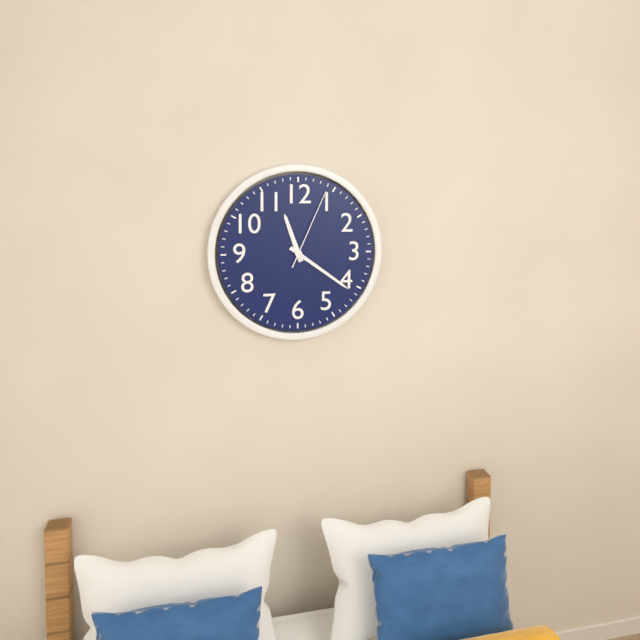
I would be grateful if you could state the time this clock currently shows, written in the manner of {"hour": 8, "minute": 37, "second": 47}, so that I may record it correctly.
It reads {"hour": 11, "minute": 21, "second": 4}
